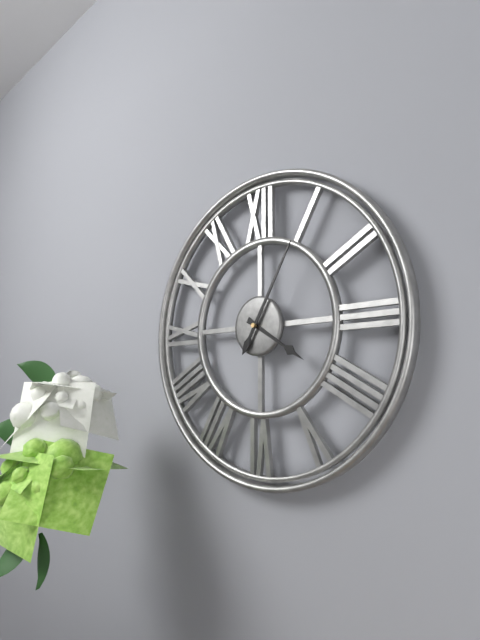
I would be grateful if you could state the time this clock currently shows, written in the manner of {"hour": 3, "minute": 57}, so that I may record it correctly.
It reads {"hour": 4, "minute": 5}
